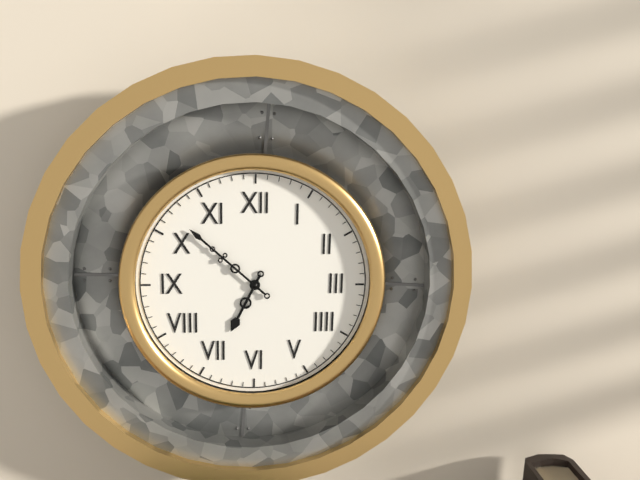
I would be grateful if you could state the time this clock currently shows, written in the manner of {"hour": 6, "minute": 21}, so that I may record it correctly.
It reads {"hour": 6, "minute": 52}
